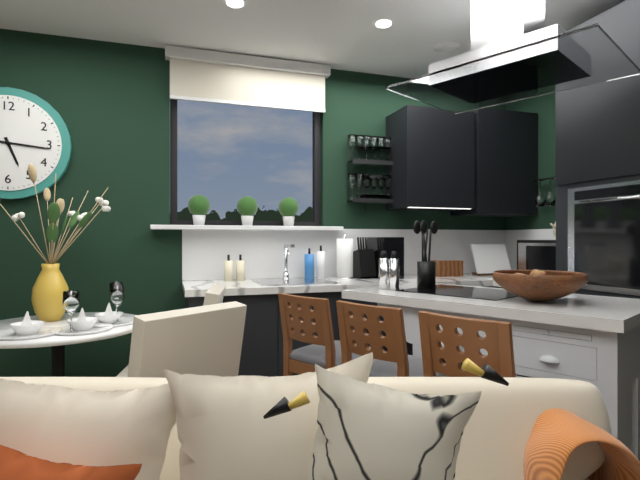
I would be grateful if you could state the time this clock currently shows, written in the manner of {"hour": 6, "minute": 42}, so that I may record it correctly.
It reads {"hour": 5, "minute": 16}
